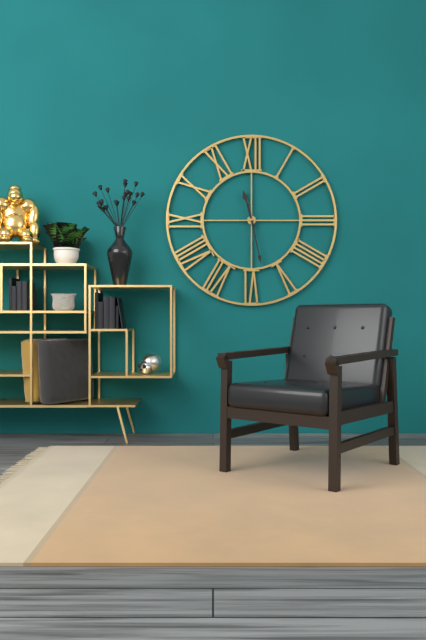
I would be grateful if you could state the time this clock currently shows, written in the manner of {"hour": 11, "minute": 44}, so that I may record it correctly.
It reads {"hour": 11, "minute": 28}
